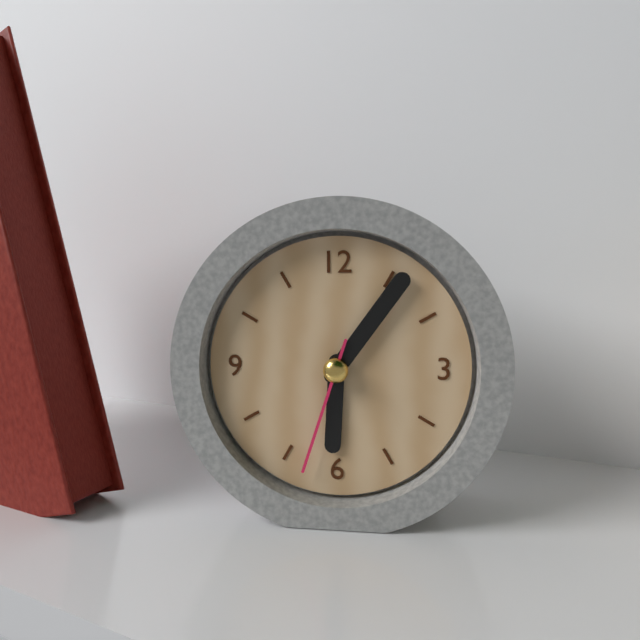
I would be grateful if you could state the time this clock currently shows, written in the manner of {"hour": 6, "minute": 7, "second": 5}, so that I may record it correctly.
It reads {"hour": 6, "minute": 6, "second": 33}
